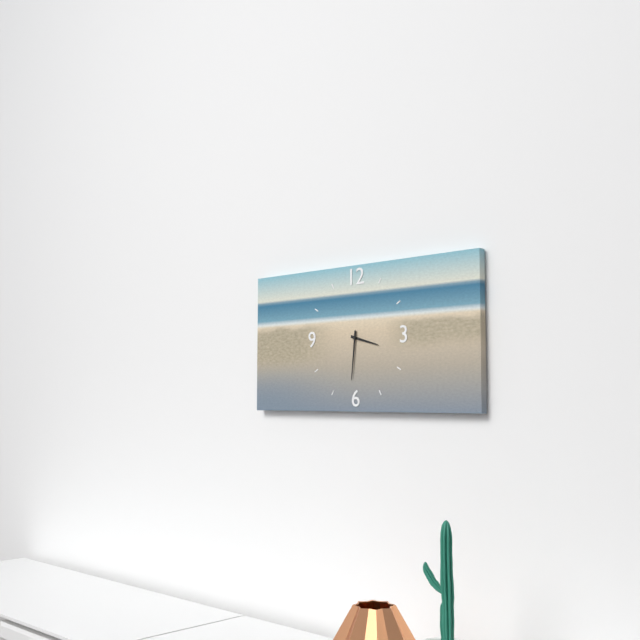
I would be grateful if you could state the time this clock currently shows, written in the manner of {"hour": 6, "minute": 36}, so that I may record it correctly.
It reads {"hour": 3, "minute": 31}
